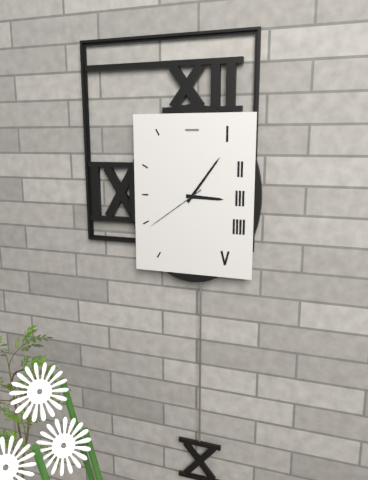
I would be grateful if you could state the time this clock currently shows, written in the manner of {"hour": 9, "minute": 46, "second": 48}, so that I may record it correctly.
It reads {"hour": 3, "minute": 6, "second": 39}
